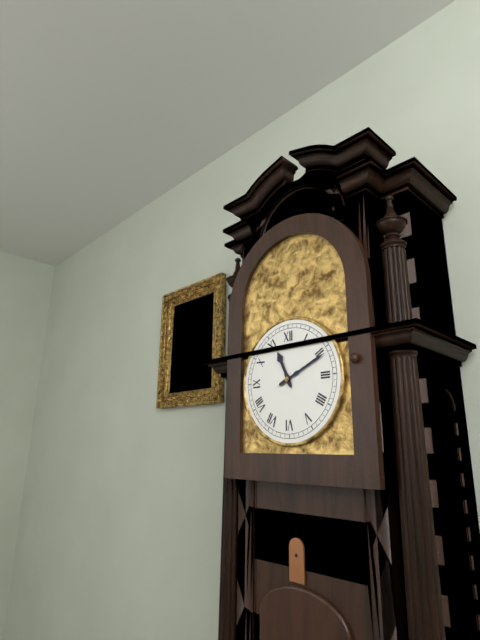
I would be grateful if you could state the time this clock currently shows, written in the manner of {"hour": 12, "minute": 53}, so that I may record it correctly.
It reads {"hour": 11, "minute": 11}
